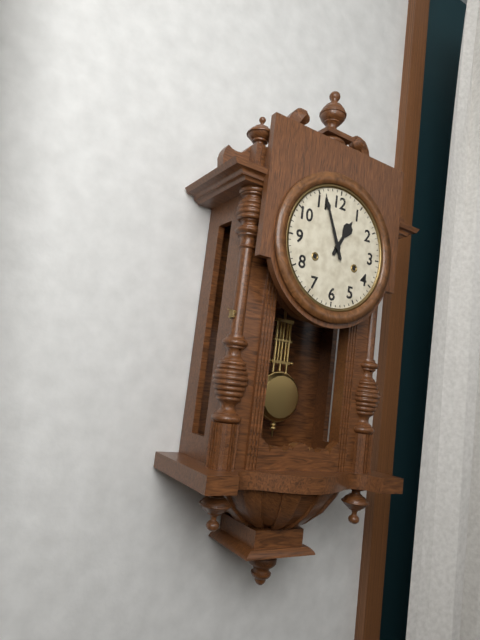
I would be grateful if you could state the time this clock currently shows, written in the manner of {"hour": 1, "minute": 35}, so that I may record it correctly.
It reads {"hour": 12, "minute": 56}
